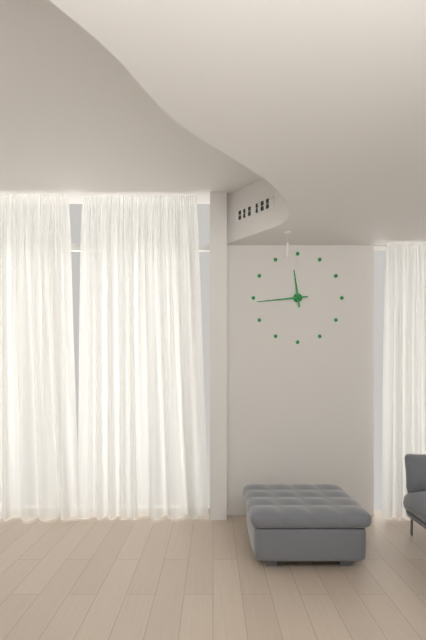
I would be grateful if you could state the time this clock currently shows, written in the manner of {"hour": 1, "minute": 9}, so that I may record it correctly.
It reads {"hour": 11, "minute": 44}
